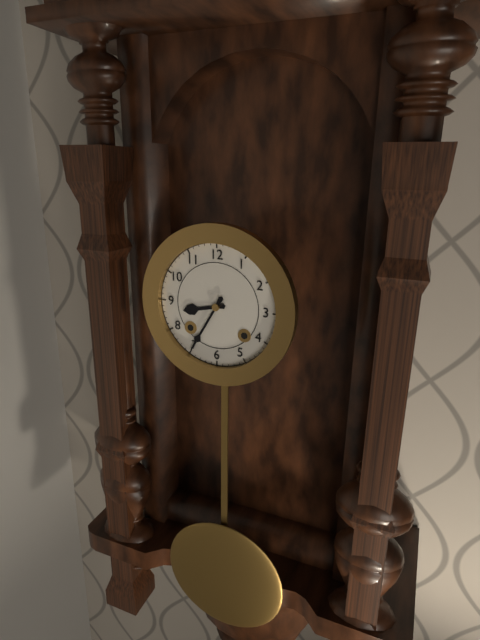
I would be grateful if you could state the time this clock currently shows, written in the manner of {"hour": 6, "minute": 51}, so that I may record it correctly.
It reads {"hour": 8, "minute": 35}
